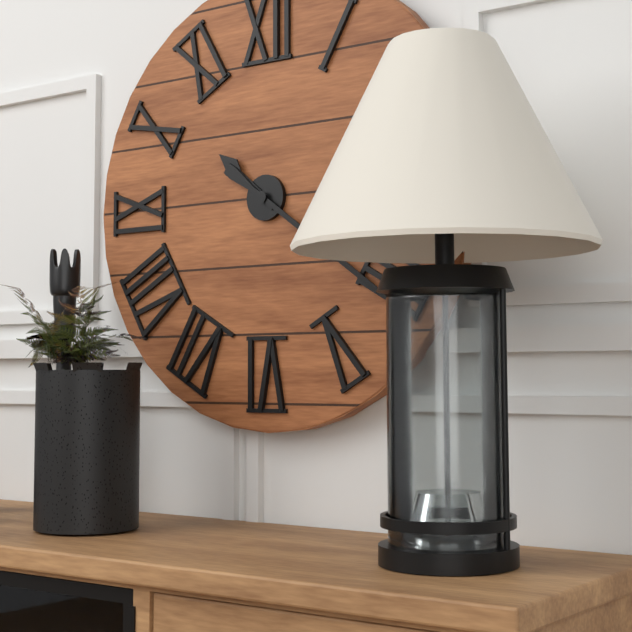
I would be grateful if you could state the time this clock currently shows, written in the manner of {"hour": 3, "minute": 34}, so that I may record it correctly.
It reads {"hour": 10, "minute": 21}
